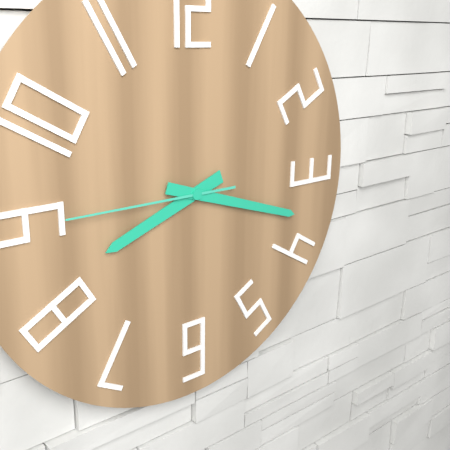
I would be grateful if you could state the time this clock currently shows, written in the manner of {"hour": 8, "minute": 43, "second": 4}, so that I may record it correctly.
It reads {"hour": 8, "minute": 18, "second": 45}
